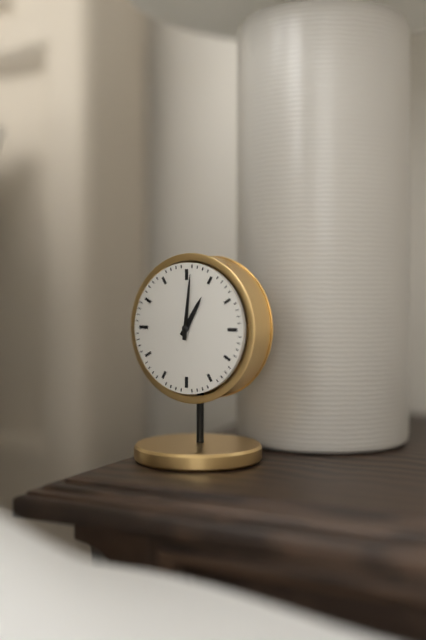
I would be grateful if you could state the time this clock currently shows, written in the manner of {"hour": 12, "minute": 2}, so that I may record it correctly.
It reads {"hour": 1, "minute": 1}
